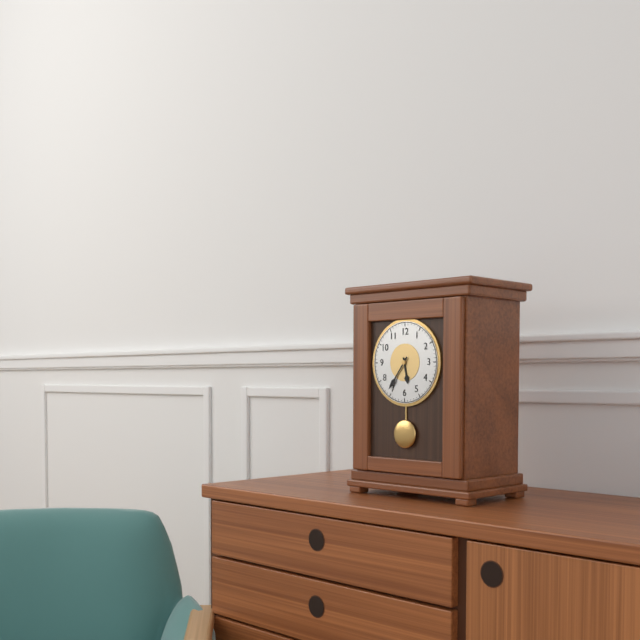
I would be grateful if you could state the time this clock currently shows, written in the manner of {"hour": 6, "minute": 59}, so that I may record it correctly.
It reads {"hour": 5, "minute": 36}
